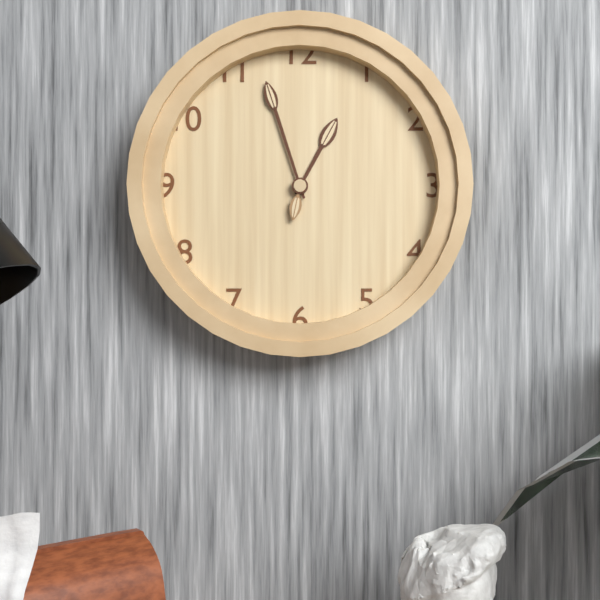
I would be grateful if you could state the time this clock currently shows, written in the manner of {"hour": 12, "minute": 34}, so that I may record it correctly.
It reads {"hour": 12, "minute": 57}
